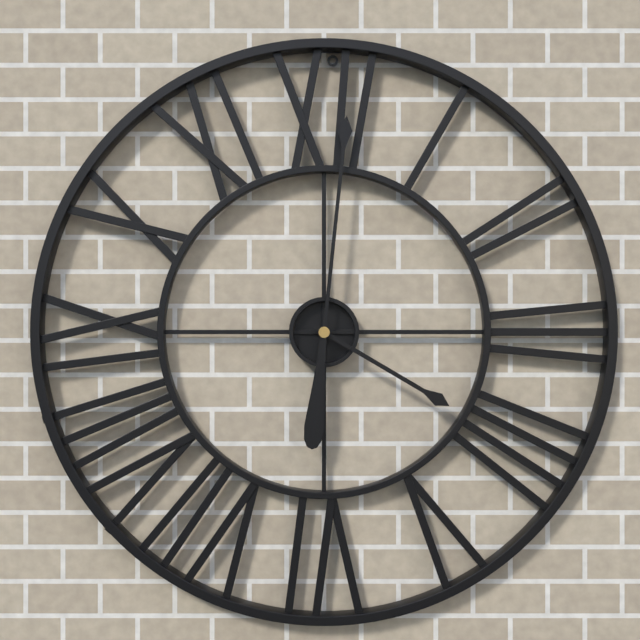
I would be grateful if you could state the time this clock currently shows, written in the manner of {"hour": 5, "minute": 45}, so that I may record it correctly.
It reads {"hour": 4, "minute": 1}
